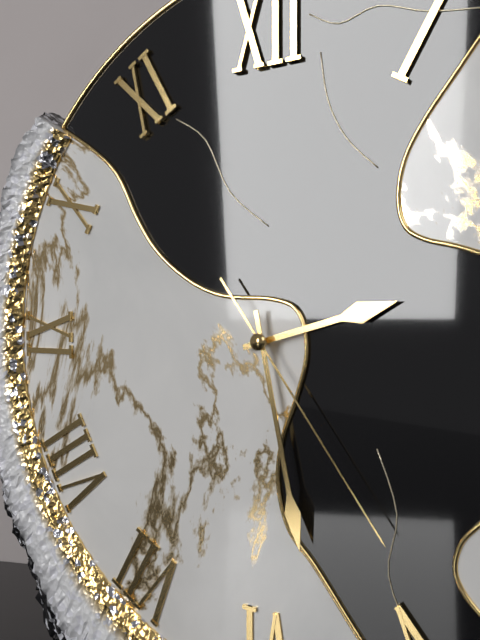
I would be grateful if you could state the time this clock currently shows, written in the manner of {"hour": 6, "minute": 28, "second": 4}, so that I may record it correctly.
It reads {"hour": 2, "minute": 28, "second": 24}
